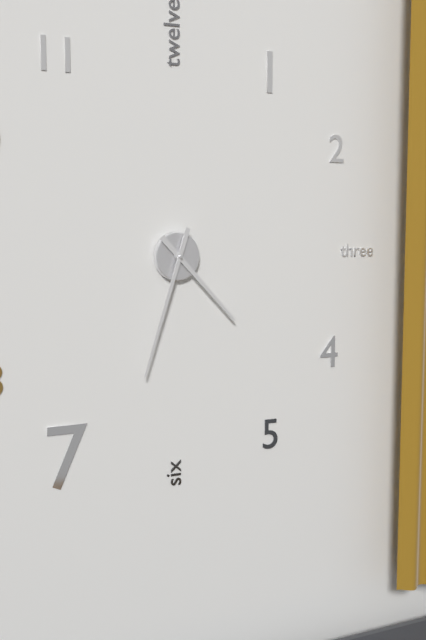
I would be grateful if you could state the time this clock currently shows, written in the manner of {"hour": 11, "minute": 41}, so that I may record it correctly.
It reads {"hour": 4, "minute": 33}
